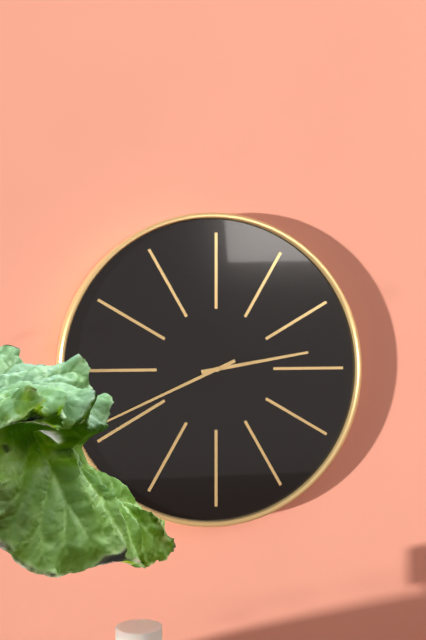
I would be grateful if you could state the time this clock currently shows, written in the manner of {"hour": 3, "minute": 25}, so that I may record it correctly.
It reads {"hour": 2, "minute": 41}
